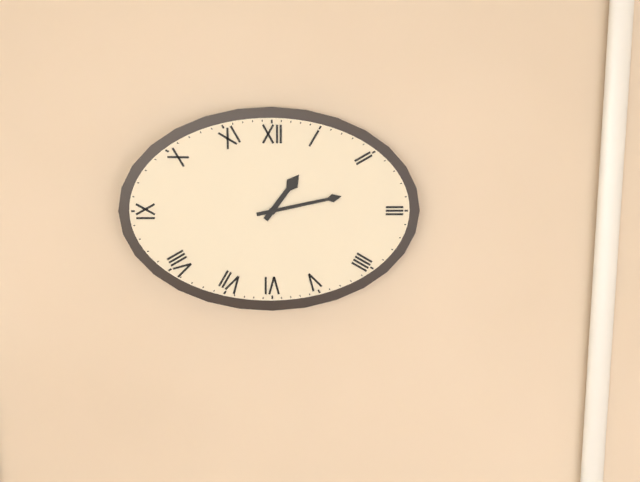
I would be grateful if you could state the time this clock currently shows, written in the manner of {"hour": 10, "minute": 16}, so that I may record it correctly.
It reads {"hour": 1, "minute": 13}
